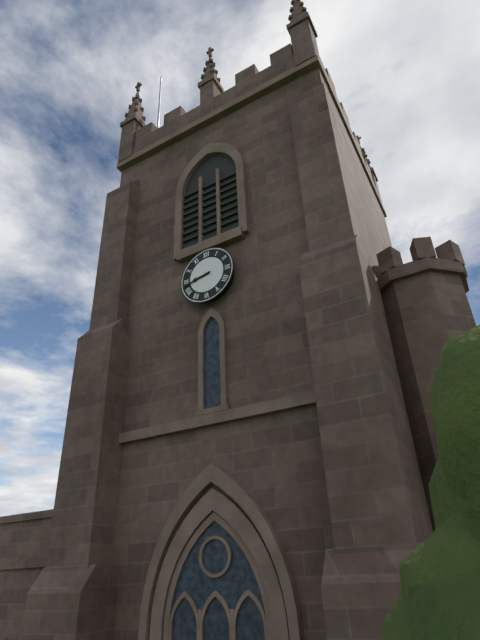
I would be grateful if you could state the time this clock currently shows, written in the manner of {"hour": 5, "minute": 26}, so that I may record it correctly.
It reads {"hour": 8, "minute": 43}
